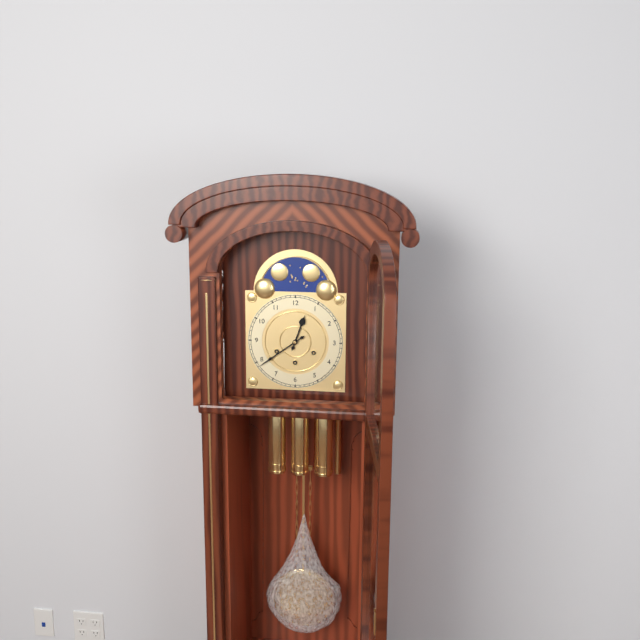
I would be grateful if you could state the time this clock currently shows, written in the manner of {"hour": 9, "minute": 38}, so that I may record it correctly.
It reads {"hour": 12, "minute": 39}
